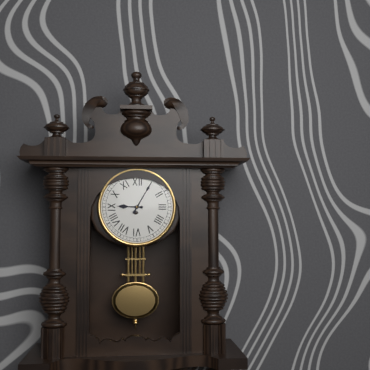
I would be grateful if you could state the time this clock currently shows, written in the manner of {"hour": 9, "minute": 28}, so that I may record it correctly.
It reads {"hour": 9, "minute": 5}
